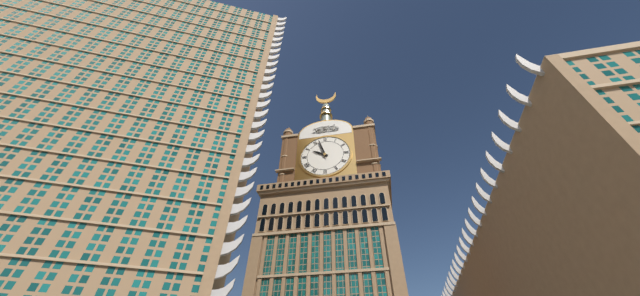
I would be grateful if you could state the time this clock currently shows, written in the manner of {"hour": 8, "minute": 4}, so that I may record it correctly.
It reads {"hour": 9, "minute": 57}
